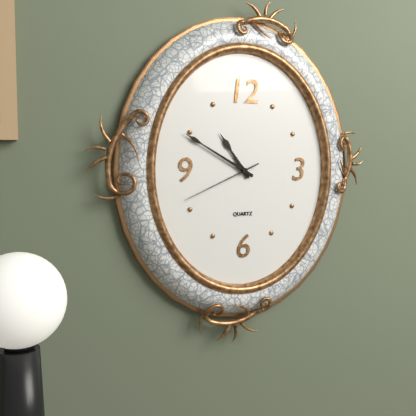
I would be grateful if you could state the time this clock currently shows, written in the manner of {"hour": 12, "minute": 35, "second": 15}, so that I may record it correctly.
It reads {"hour": 10, "minute": 50, "second": 41}
